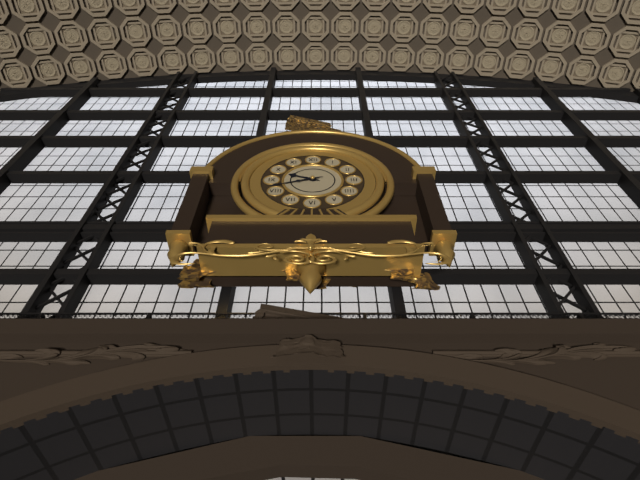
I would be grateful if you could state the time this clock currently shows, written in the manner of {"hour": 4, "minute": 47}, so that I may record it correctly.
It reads {"hour": 9, "minute": 42}
